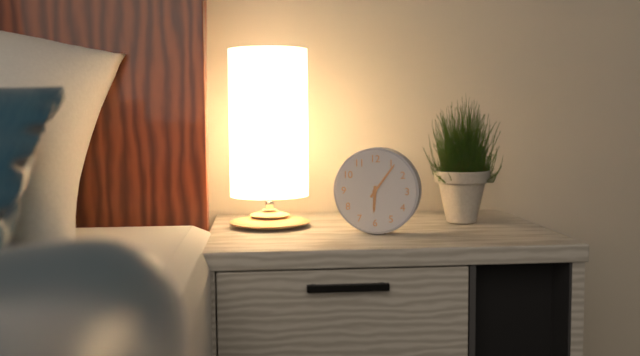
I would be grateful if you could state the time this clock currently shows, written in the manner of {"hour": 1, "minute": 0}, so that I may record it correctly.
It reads {"hour": 6, "minute": 6}
